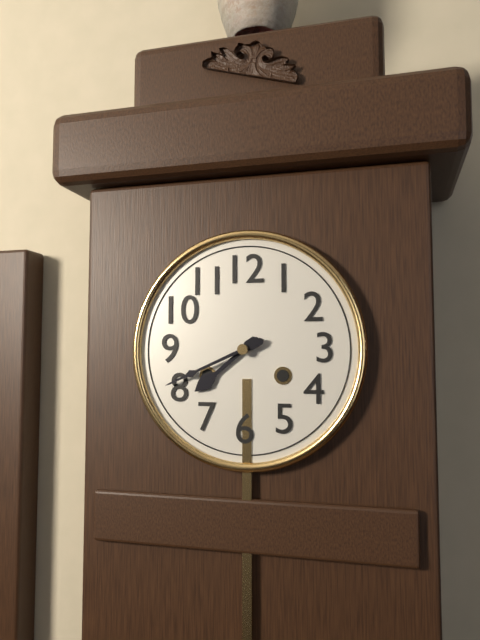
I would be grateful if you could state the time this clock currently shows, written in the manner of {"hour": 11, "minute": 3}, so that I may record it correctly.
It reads {"hour": 7, "minute": 41}
